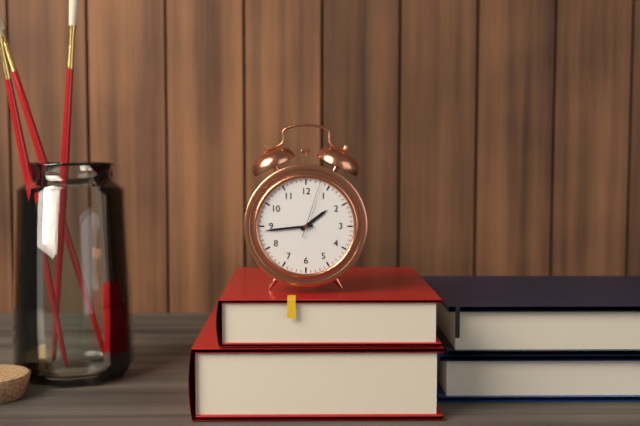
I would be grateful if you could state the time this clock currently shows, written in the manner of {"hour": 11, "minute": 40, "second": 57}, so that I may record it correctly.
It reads {"hour": 1, "minute": 44, "second": 3}
